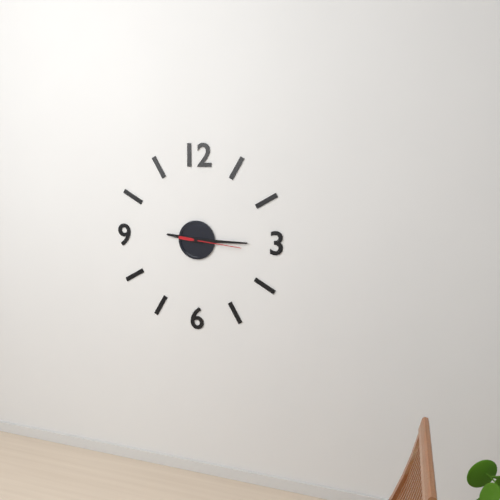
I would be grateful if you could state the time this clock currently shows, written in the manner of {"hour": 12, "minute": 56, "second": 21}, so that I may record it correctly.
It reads {"hour": 9, "minute": 15, "second": 16}
